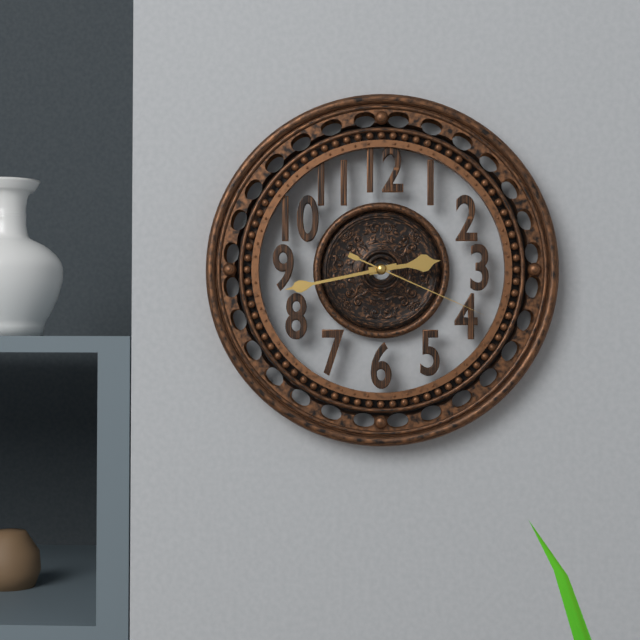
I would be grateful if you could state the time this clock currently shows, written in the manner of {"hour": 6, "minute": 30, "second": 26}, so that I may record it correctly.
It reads {"hour": 2, "minute": 43, "second": 19}
